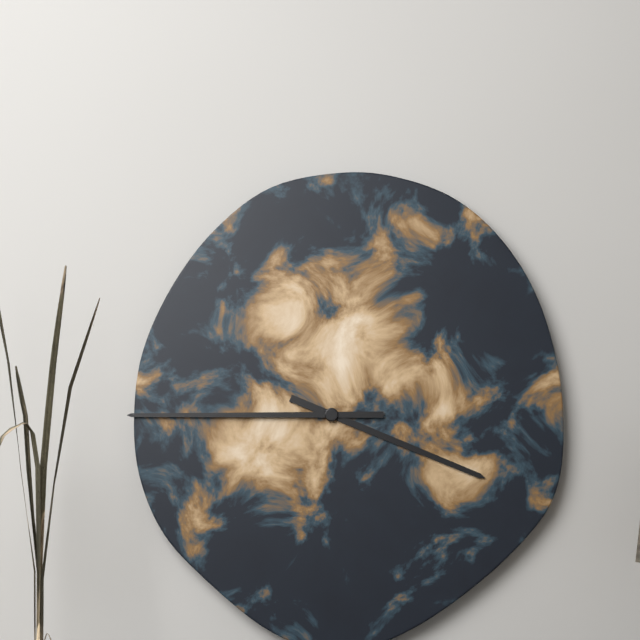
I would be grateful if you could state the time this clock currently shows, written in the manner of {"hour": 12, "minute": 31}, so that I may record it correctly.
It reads {"hour": 3, "minute": 45}
